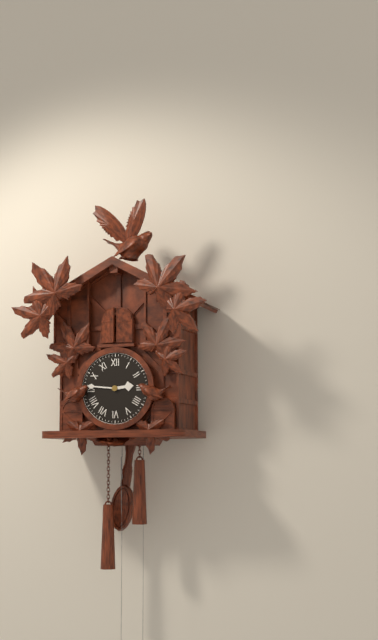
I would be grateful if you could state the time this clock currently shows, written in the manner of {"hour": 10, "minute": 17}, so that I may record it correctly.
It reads {"hour": 2, "minute": 46}
